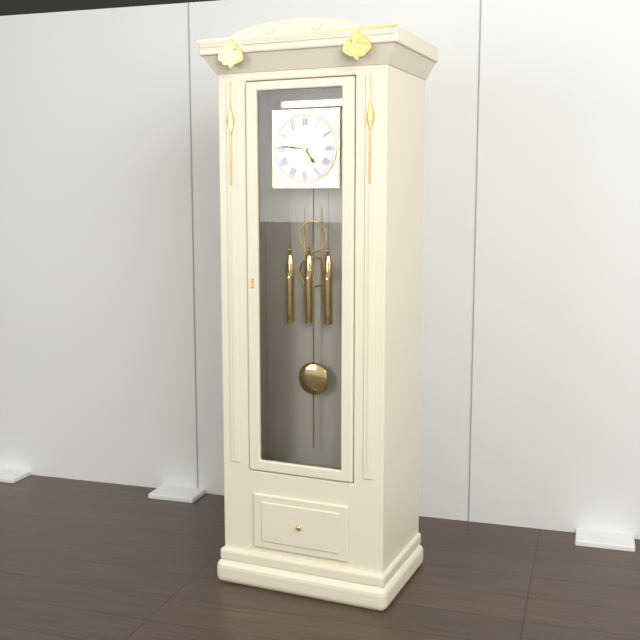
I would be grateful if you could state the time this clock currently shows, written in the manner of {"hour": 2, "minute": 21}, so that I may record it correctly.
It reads {"hour": 4, "minute": 46}
